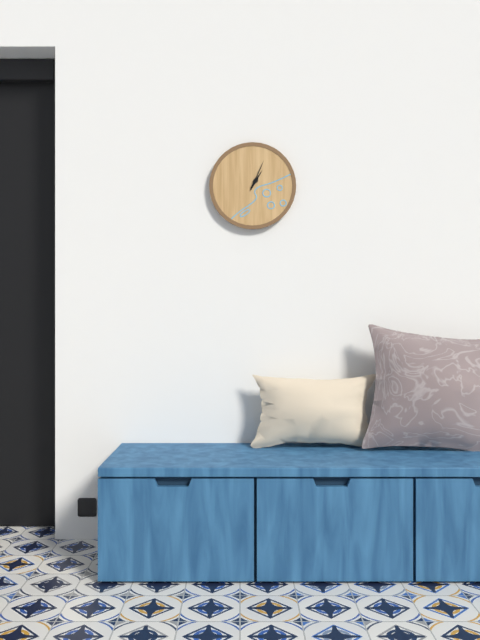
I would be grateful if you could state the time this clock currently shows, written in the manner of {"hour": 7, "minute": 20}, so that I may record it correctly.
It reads {"hour": 1, "minute": 4}
